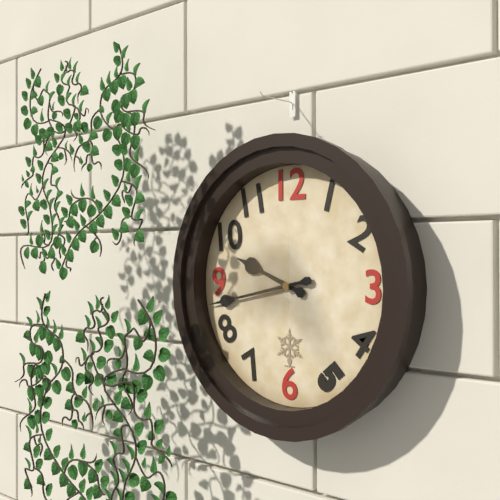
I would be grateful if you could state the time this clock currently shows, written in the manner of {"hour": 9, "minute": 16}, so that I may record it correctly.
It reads {"hour": 9, "minute": 43}
